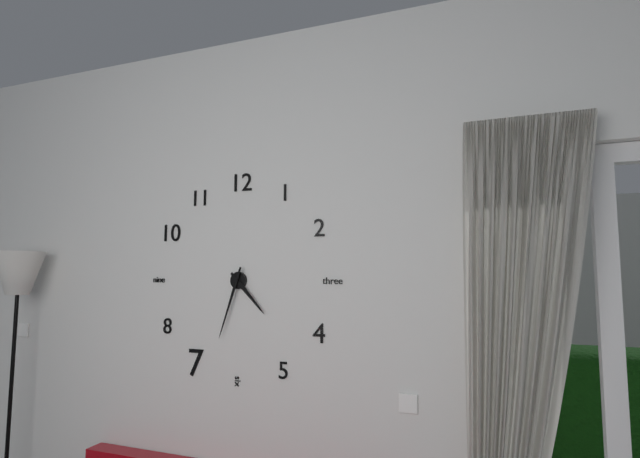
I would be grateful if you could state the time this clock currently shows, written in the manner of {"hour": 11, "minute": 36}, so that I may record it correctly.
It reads {"hour": 4, "minute": 33}
